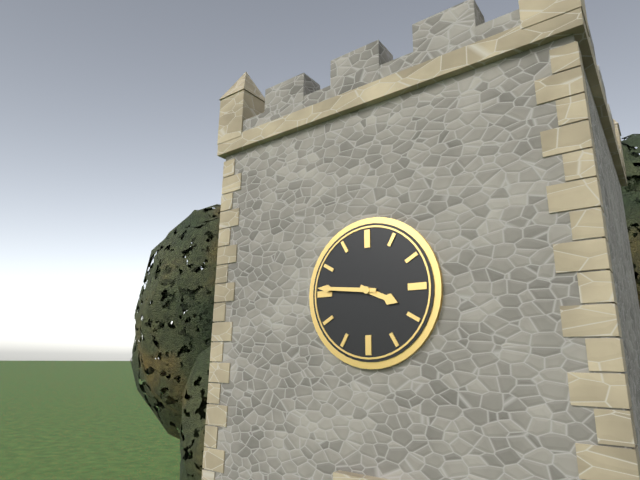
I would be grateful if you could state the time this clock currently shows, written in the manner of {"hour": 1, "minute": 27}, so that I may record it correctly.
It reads {"hour": 3, "minute": 46}
